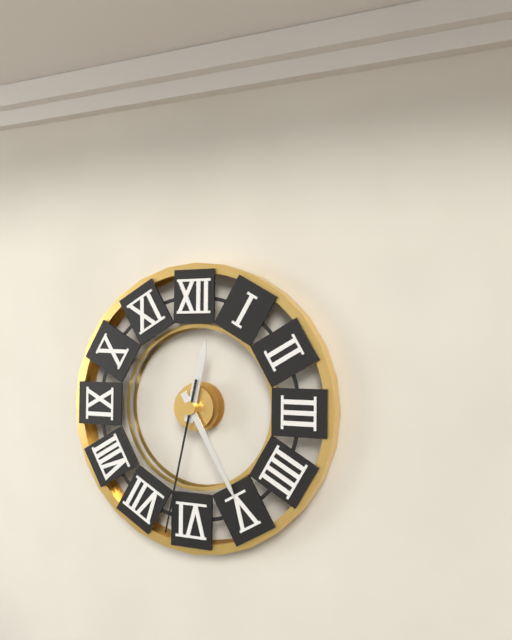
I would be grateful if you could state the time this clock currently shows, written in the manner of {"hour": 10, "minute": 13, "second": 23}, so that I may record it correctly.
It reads {"hour": 12, "minute": 25, "second": 32}
